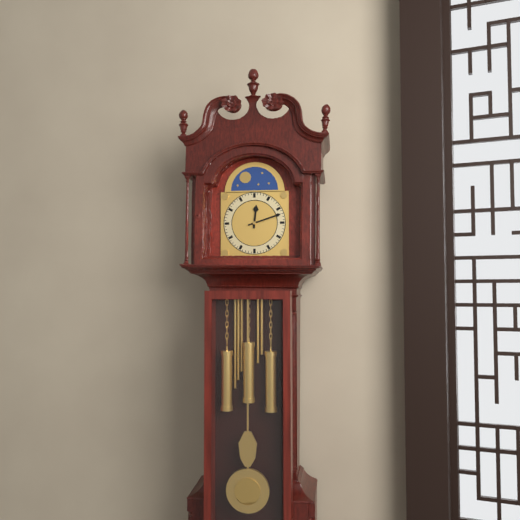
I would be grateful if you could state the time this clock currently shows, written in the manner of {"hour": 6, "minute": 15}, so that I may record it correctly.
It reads {"hour": 12, "minute": 12}
